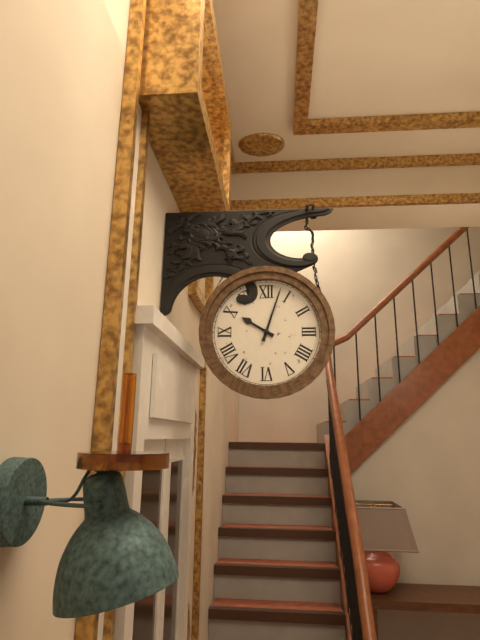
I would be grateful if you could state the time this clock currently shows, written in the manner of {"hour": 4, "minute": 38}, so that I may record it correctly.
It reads {"hour": 10, "minute": 3}
